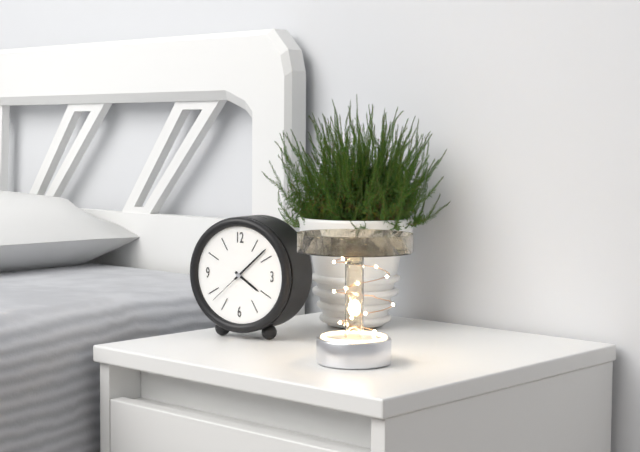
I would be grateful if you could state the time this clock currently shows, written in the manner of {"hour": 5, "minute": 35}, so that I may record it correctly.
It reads {"hour": 4, "minute": 8}
